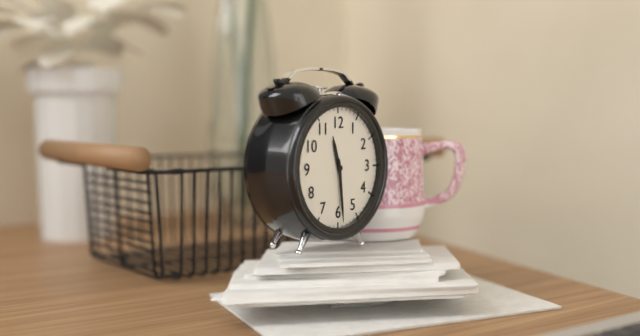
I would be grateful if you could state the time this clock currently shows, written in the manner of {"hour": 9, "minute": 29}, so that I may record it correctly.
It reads {"hour": 11, "minute": 29}
